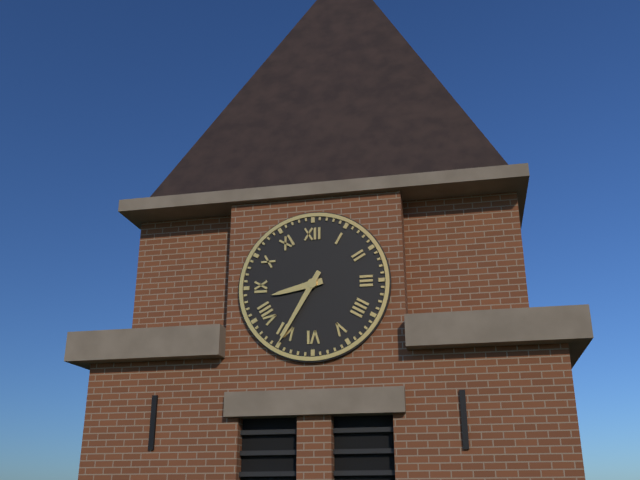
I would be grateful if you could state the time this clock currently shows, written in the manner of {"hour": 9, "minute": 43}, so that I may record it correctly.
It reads {"hour": 8, "minute": 35}
